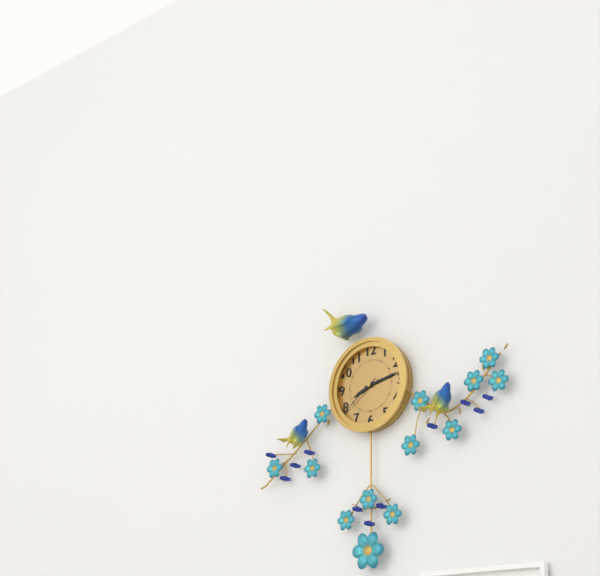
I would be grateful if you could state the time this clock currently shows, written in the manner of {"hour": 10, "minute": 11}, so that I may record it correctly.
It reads {"hour": 8, "minute": 13}
